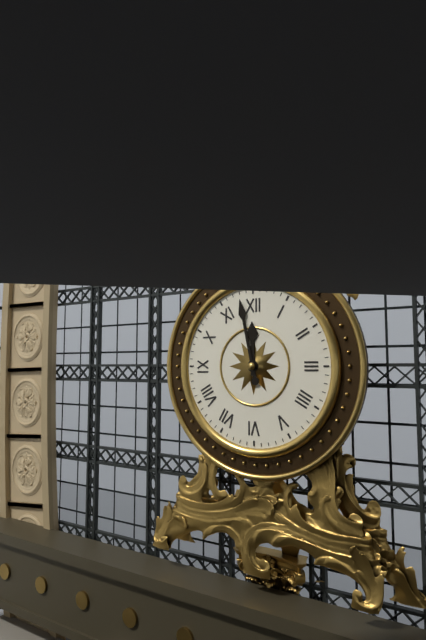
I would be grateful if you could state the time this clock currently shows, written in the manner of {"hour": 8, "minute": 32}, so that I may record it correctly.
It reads {"hour": 11, "minute": 58}
